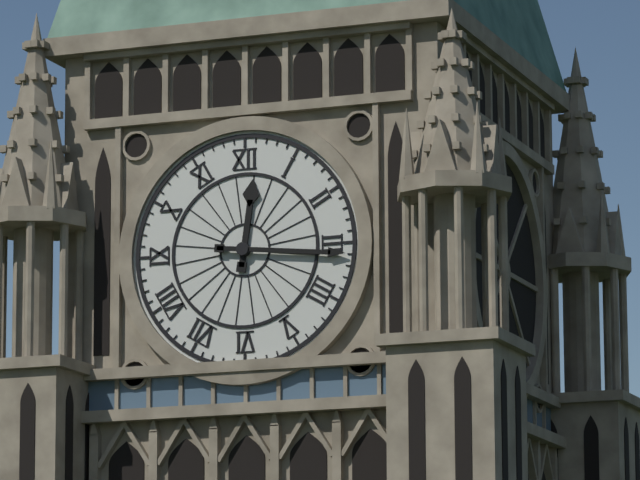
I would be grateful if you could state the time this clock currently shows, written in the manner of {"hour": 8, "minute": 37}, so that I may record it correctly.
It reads {"hour": 12, "minute": 16}
